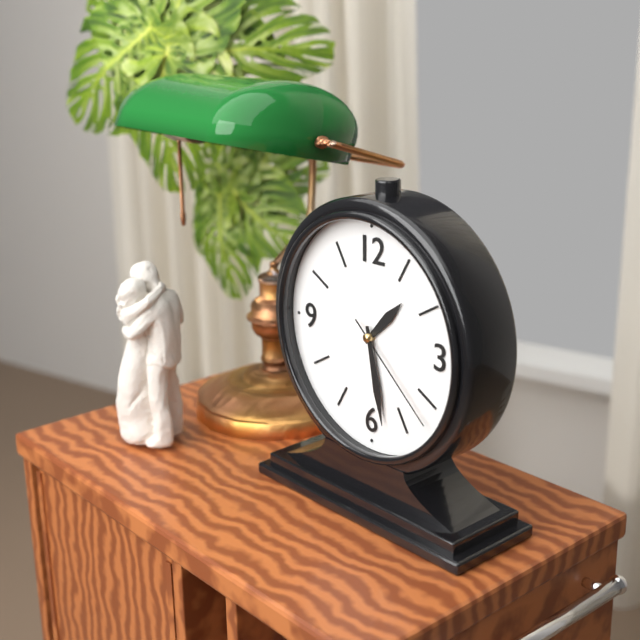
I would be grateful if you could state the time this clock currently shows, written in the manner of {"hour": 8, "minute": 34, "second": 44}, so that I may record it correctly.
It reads {"hour": 1, "minute": 28, "second": 22}
